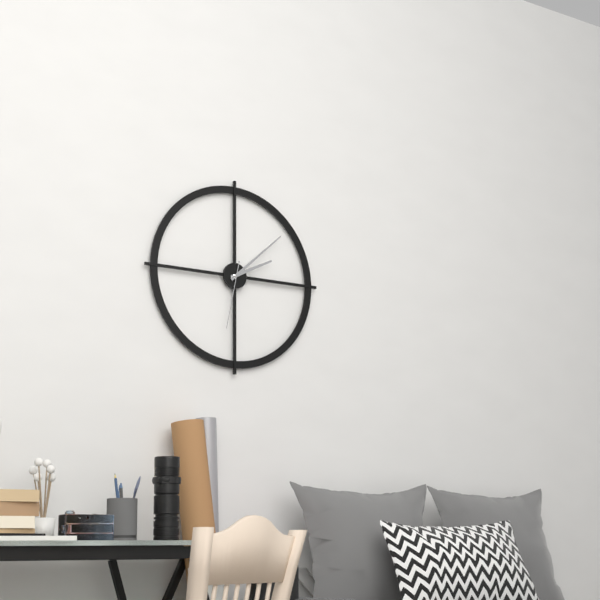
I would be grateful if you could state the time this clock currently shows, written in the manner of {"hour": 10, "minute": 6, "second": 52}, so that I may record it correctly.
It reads {"hour": 2, "minute": 8, "second": 32}
